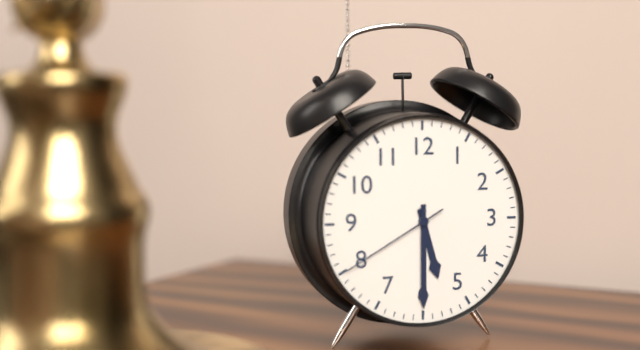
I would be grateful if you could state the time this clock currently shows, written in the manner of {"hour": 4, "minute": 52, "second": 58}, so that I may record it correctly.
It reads {"hour": 5, "minute": 30, "second": 40}
